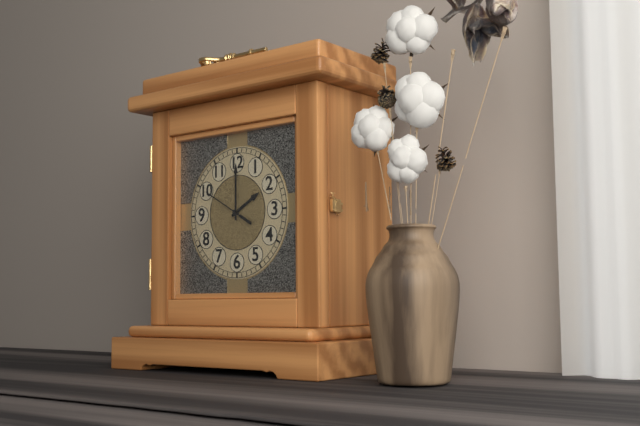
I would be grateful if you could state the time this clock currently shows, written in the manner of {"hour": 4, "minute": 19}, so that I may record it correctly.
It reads {"hour": 2, "minute": 0}
